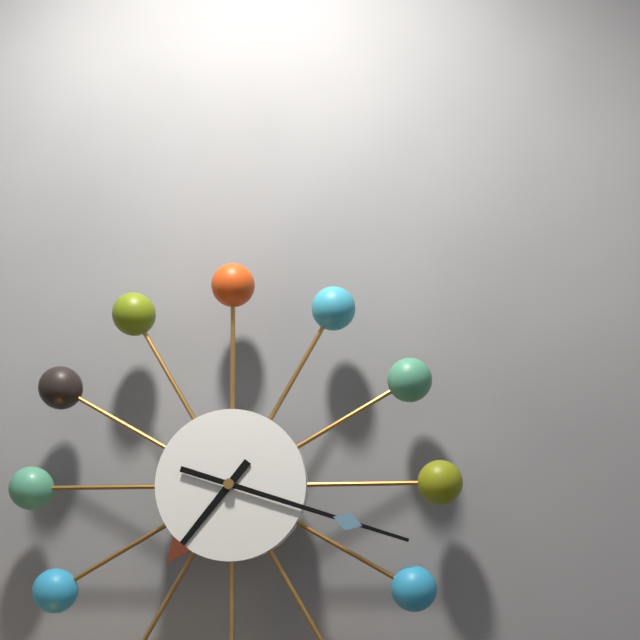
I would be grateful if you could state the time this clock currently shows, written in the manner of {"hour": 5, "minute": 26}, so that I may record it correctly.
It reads {"hour": 7, "minute": 18}
